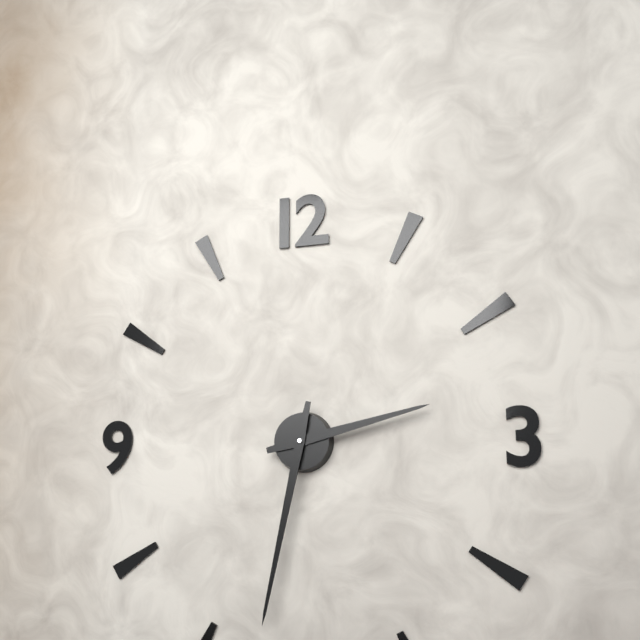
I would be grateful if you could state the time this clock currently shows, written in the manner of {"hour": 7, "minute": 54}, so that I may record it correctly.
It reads {"hour": 2, "minute": 32}
